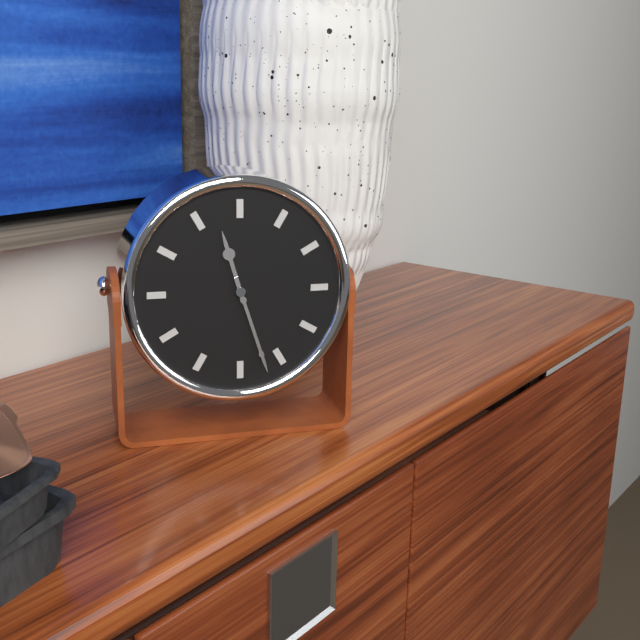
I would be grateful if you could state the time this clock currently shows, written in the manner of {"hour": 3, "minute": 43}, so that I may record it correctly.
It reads {"hour": 11, "minute": 27}
